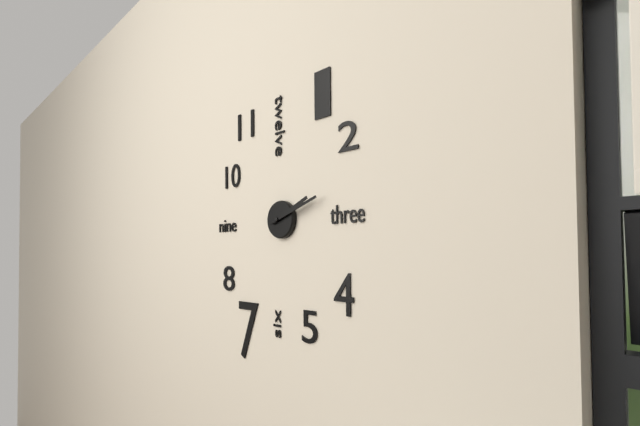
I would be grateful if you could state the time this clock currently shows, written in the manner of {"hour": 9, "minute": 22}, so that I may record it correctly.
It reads {"hour": 2, "minute": 12}
